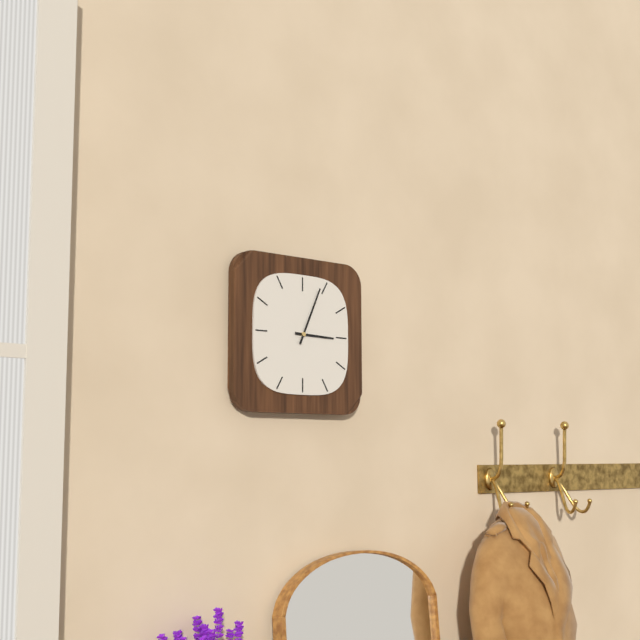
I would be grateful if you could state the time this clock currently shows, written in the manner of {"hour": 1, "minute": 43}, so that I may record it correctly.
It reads {"hour": 3, "minute": 4}
